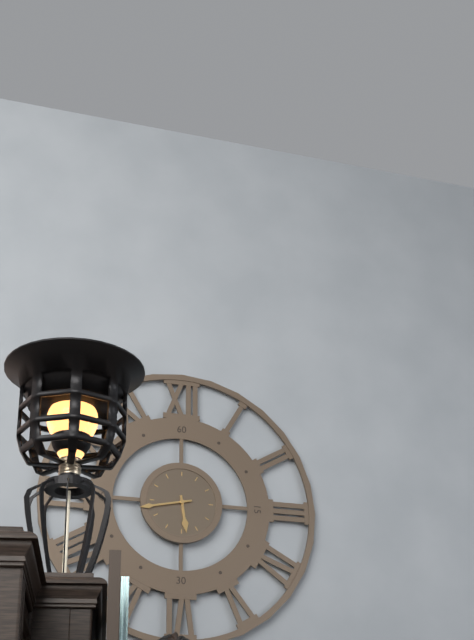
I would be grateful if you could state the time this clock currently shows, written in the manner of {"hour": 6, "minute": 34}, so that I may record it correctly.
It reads {"hour": 5, "minute": 43}
